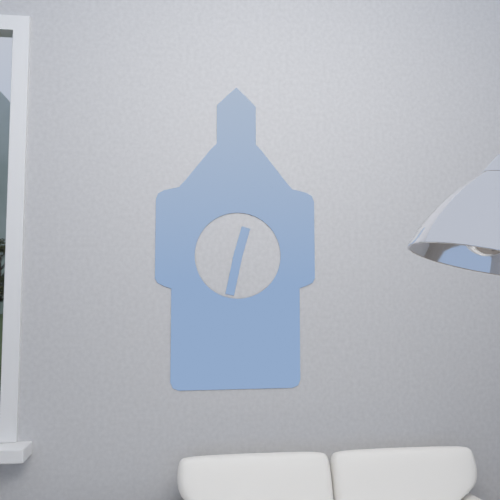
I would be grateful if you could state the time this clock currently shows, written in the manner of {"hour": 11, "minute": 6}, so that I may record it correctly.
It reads {"hour": 12, "minute": 32}
